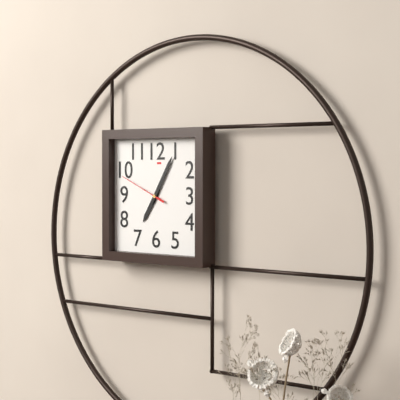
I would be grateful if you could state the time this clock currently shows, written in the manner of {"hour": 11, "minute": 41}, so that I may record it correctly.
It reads {"hour": 7, "minute": 5}
